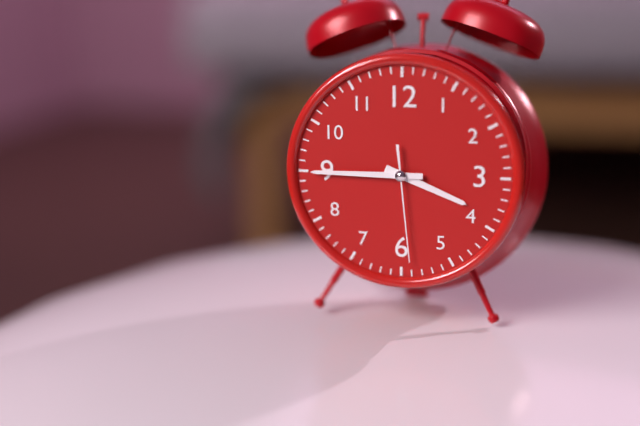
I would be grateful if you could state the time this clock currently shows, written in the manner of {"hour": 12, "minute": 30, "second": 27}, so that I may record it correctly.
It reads {"hour": 3, "minute": 45, "second": 29}
